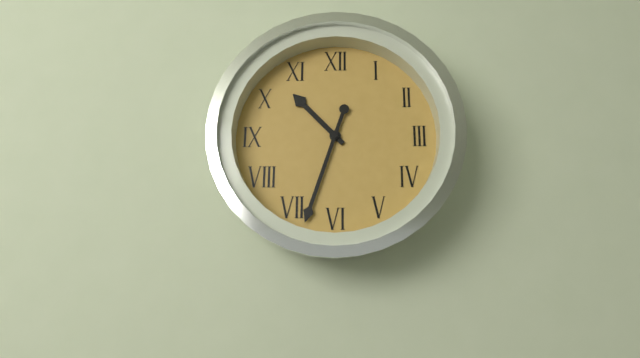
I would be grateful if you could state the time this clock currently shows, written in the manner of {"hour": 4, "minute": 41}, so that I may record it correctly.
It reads {"hour": 10, "minute": 33}
